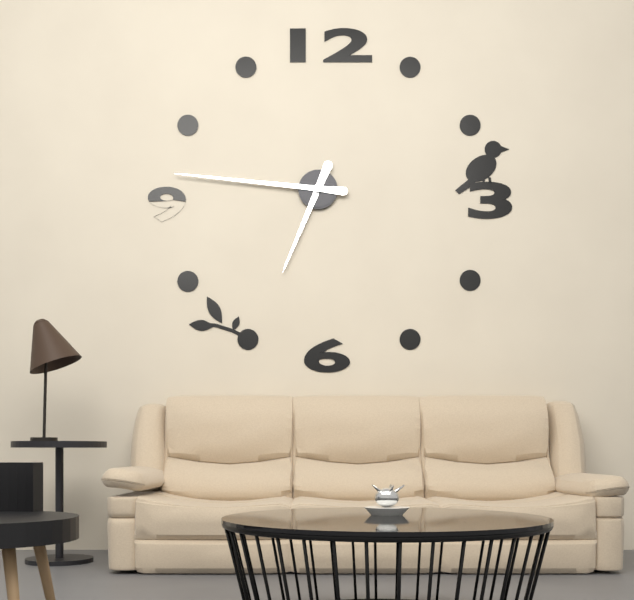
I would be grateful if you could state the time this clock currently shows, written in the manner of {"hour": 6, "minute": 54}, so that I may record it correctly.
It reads {"hour": 6, "minute": 46}
